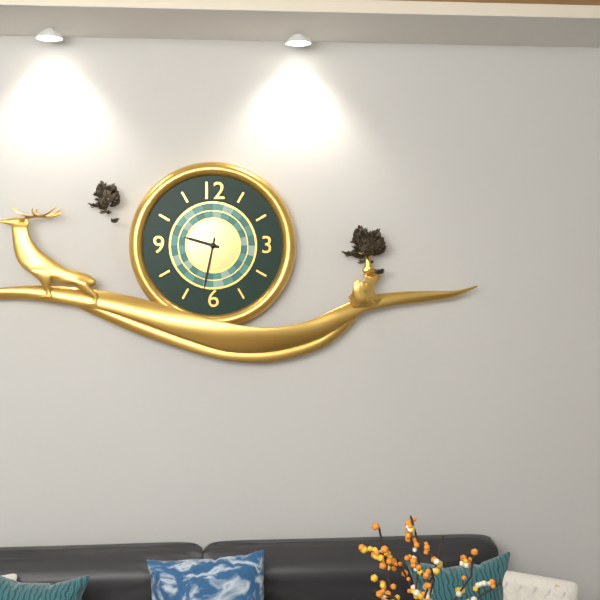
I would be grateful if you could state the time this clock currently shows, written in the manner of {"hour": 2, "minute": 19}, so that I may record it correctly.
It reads {"hour": 9, "minute": 32}
